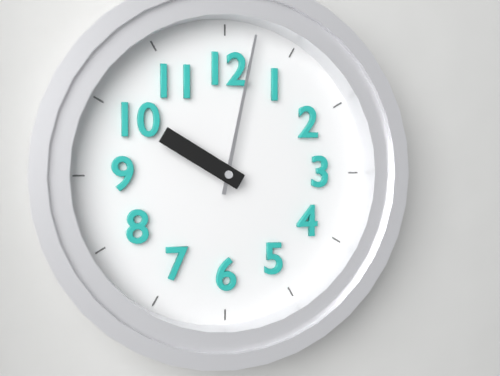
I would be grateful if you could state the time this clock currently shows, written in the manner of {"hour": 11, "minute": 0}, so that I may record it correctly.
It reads {"hour": 10, "minute": 2}
